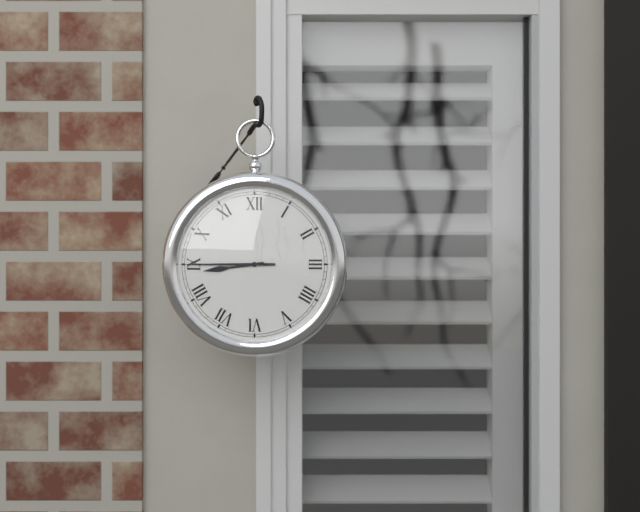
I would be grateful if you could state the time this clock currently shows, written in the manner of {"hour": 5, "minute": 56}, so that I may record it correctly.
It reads {"hour": 8, "minute": 45}
